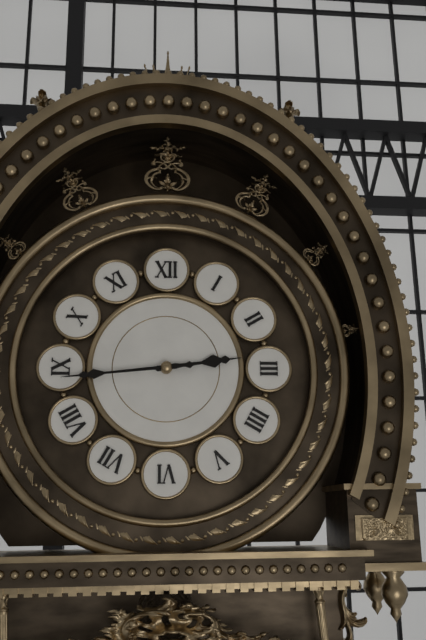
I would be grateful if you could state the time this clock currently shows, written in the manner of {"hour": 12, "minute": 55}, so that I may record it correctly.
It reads {"hour": 2, "minute": 44}
